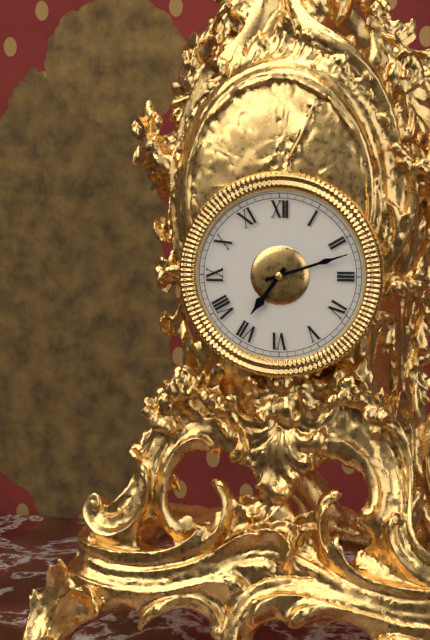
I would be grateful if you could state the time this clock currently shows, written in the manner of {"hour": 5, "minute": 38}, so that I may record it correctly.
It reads {"hour": 7, "minute": 12}
